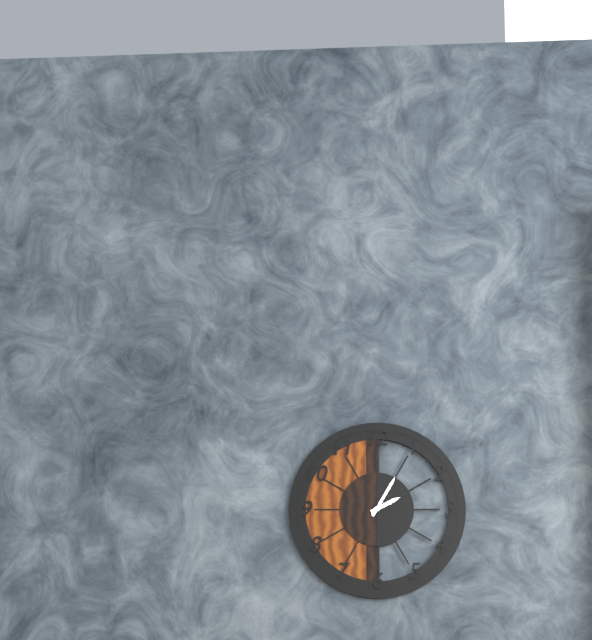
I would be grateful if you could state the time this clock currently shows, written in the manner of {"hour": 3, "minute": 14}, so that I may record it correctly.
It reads {"hour": 2, "minute": 5}
